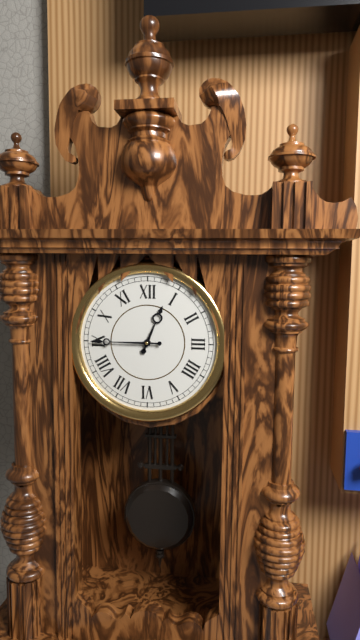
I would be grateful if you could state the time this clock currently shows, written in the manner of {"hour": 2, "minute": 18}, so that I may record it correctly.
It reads {"hour": 12, "minute": 45}
